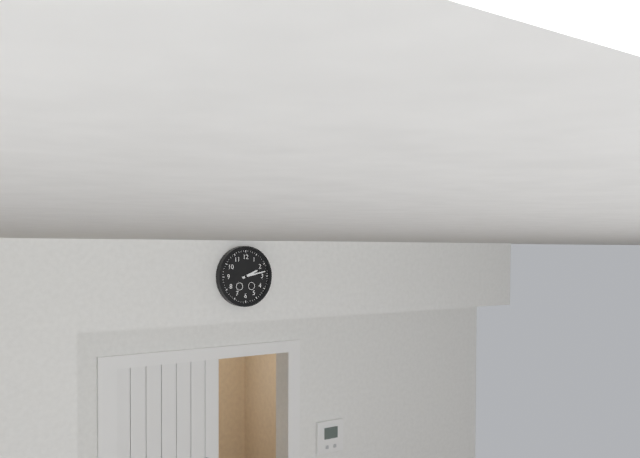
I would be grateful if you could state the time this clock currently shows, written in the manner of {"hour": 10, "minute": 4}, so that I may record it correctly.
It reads {"hour": 2, "minute": 13}
